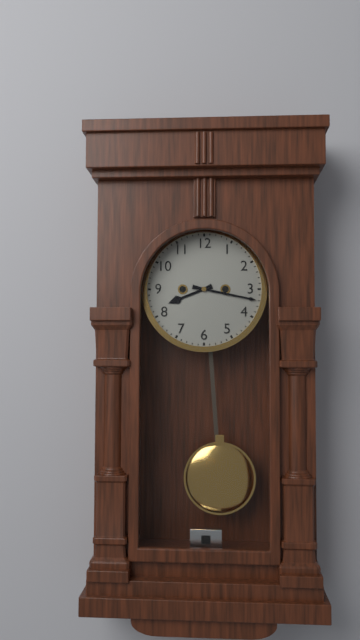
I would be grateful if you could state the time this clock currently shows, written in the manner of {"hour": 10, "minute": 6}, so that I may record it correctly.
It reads {"hour": 8, "minute": 17}
